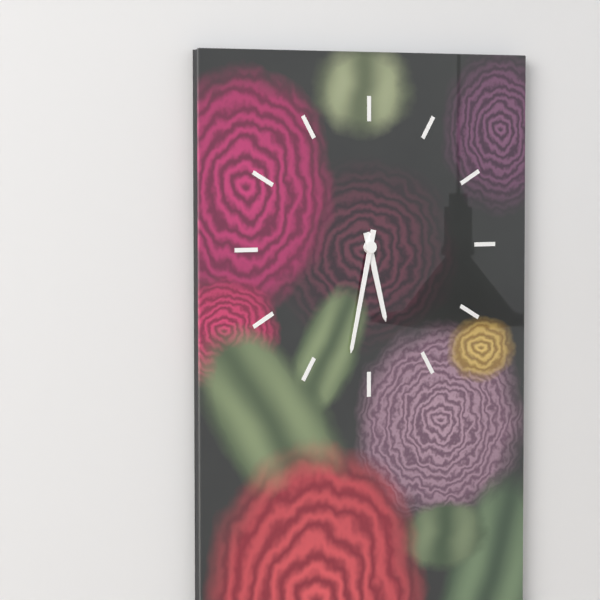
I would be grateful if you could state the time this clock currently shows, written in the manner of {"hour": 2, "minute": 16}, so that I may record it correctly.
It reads {"hour": 5, "minute": 32}
